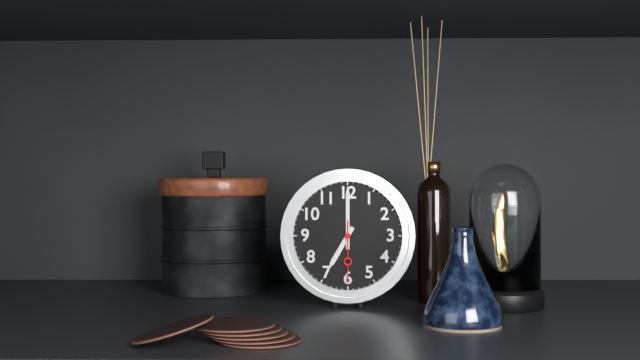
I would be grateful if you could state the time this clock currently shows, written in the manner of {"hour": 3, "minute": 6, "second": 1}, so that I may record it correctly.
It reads {"hour": 7, "minute": 0, "second": 30}
